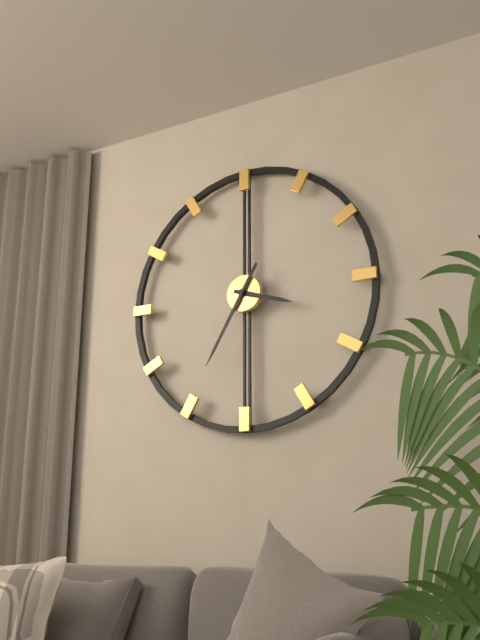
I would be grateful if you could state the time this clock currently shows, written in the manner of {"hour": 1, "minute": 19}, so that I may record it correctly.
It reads {"hour": 3, "minute": 35}
